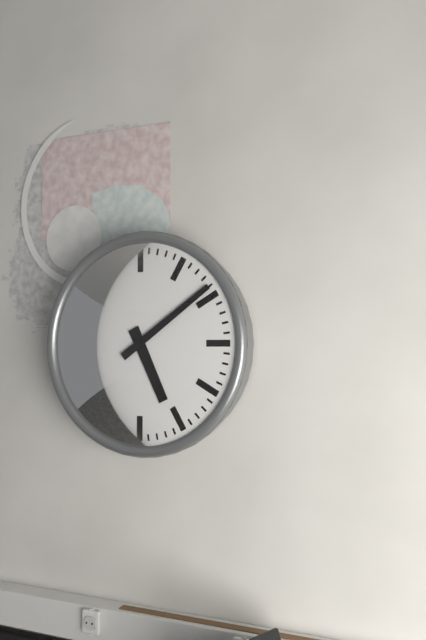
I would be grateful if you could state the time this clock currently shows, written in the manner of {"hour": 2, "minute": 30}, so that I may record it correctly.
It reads {"hour": 5, "minute": 9}
